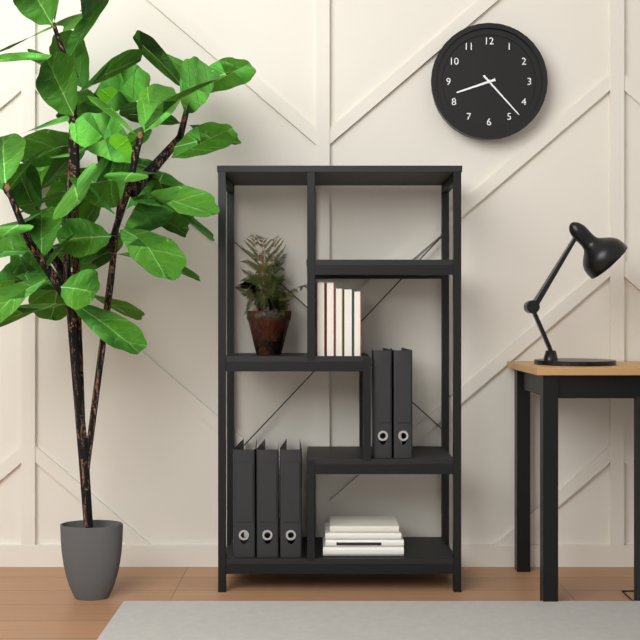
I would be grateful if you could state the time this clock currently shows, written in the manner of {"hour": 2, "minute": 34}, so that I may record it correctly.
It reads {"hour": 8, "minute": 23}
